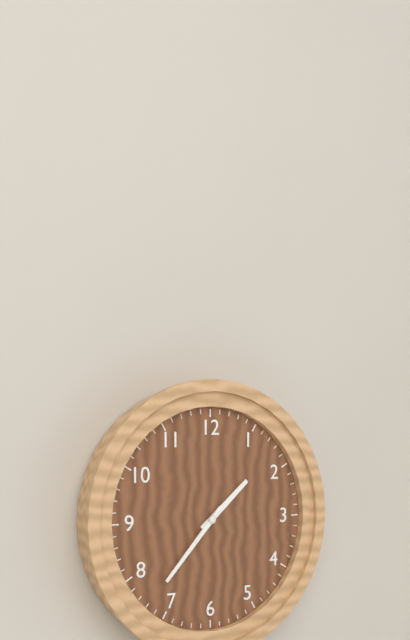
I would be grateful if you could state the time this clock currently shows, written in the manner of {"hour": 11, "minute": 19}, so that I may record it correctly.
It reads {"hour": 1, "minute": 37}
